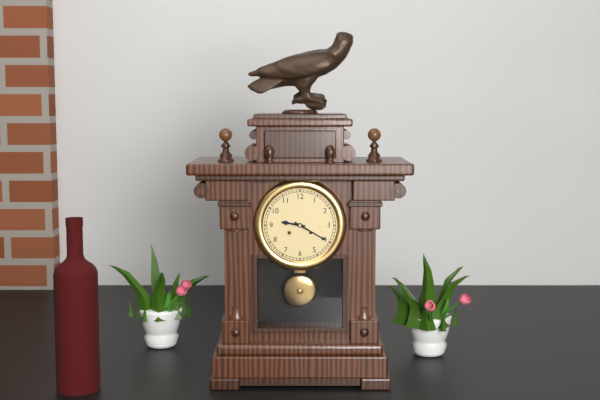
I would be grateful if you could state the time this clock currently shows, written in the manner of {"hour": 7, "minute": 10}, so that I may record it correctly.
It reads {"hour": 9, "minute": 20}
